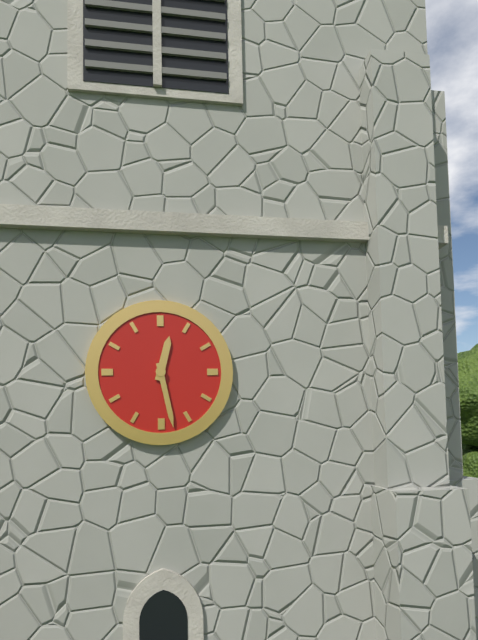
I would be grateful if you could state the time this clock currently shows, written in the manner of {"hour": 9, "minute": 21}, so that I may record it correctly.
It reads {"hour": 12, "minute": 28}
